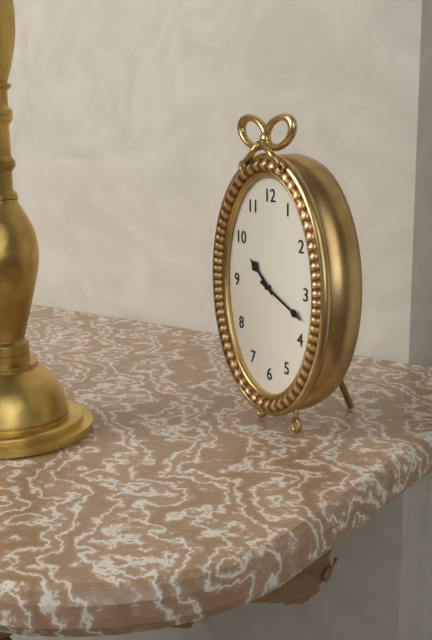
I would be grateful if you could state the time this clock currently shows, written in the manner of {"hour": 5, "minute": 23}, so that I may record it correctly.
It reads {"hour": 10, "minute": 19}
